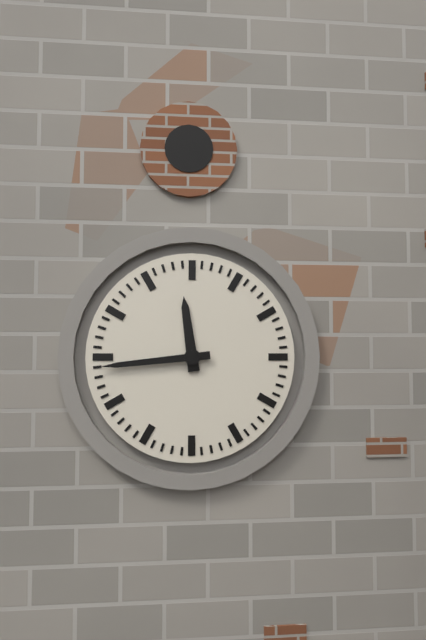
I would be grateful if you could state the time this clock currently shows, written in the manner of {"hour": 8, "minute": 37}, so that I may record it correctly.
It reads {"hour": 11, "minute": 44}
